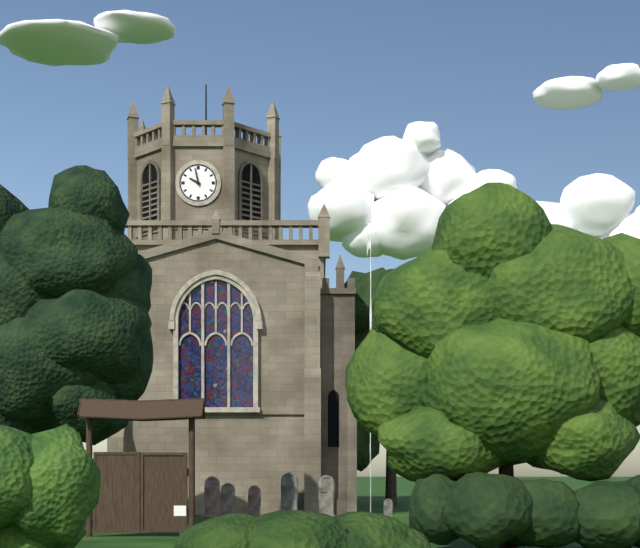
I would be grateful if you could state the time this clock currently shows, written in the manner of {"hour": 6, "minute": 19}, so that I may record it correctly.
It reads {"hour": 9, "minute": 58}
